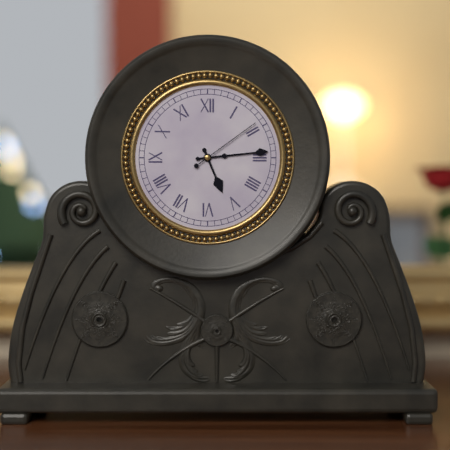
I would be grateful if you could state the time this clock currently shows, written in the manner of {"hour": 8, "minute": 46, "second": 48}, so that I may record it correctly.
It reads {"hour": 5, "minute": 14, "second": 9}
